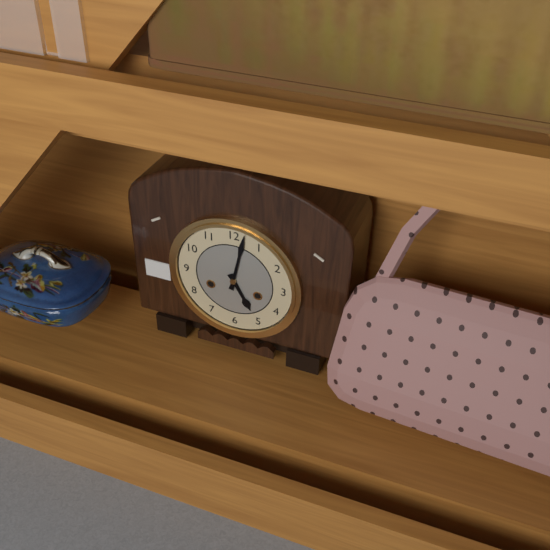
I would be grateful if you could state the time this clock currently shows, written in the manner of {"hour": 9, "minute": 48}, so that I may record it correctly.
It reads {"hour": 5, "minute": 2}
